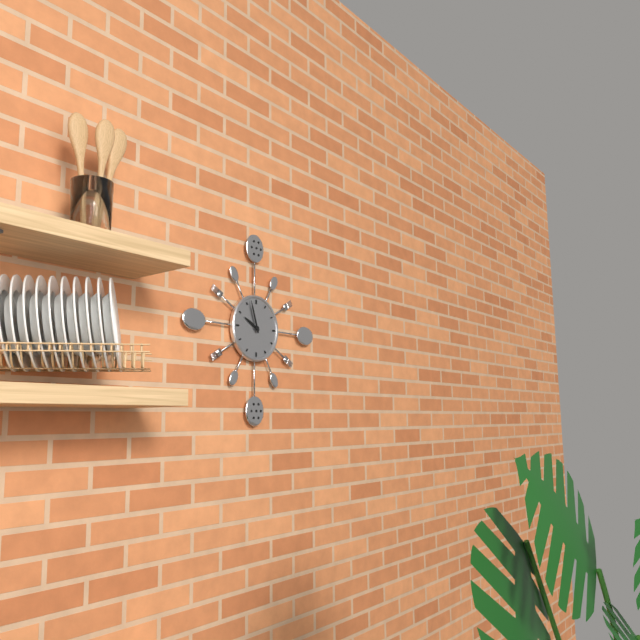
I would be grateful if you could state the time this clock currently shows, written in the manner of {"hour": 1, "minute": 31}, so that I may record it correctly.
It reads {"hour": 9, "minute": 57}
